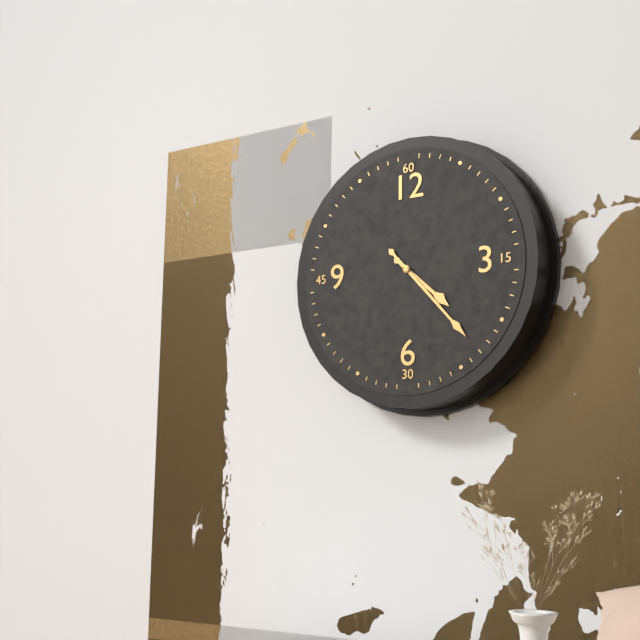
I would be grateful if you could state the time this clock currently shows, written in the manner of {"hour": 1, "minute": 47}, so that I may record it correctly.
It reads {"hour": 4, "minute": 23}
